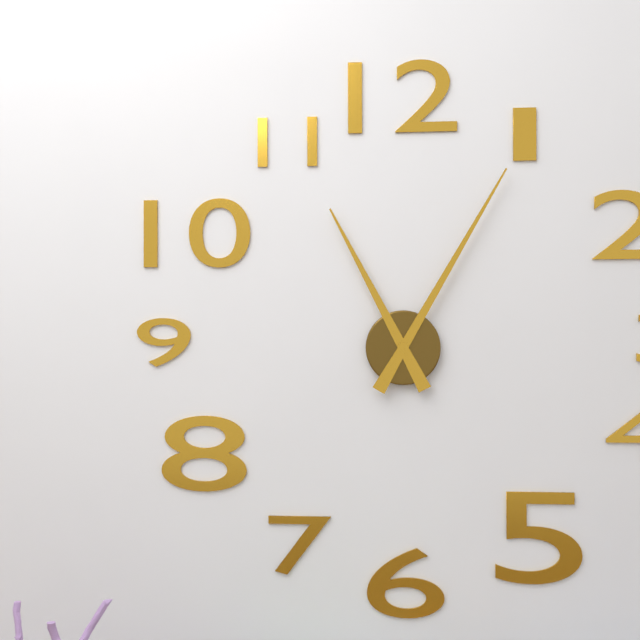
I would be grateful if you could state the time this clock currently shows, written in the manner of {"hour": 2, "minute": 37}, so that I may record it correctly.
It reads {"hour": 11, "minute": 5}
